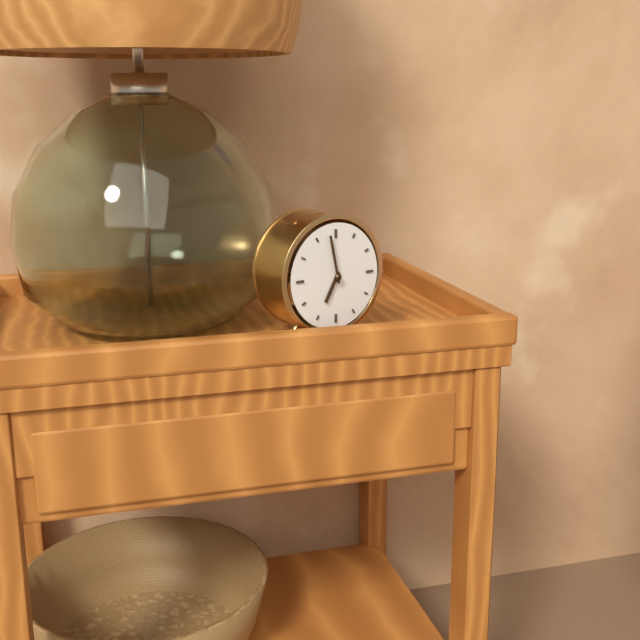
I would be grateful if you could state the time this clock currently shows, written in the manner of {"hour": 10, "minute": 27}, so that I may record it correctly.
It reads {"hour": 6, "minute": 58}
